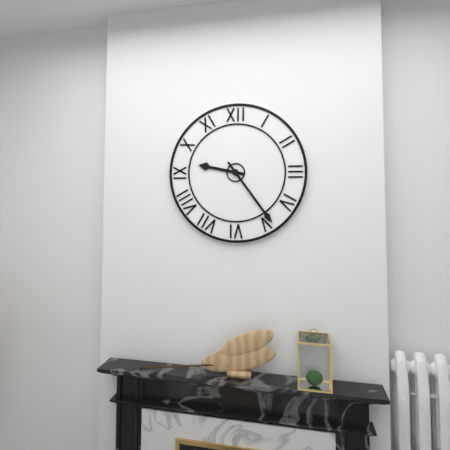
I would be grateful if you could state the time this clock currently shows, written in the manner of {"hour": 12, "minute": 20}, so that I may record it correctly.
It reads {"hour": 9, "minute": 24}
